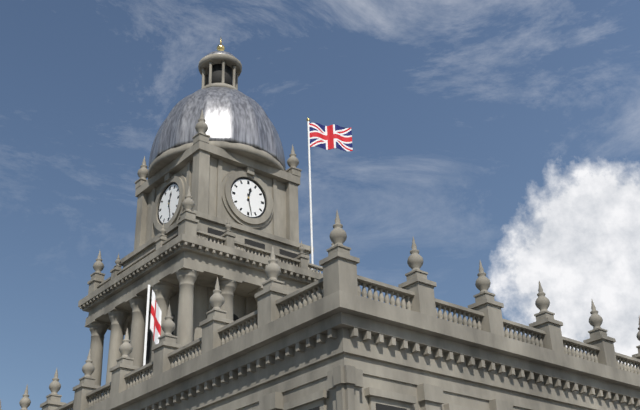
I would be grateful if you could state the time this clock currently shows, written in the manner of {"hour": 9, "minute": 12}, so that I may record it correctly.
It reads {"hour": 12, "minute": 28}
